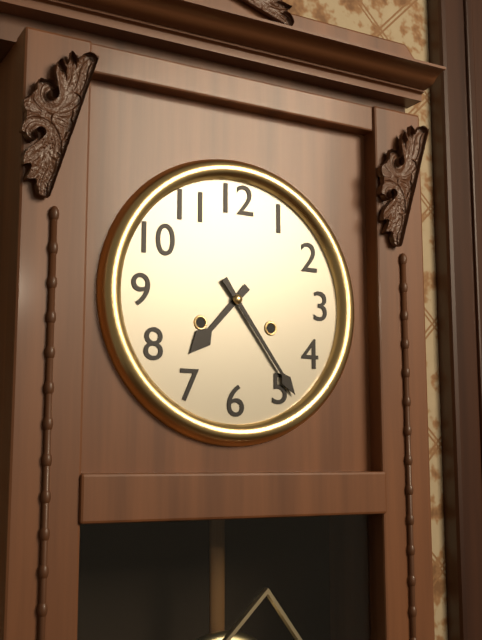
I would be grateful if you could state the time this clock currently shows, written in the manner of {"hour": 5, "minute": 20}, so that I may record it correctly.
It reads {"hour": 7, "minute": 24}
